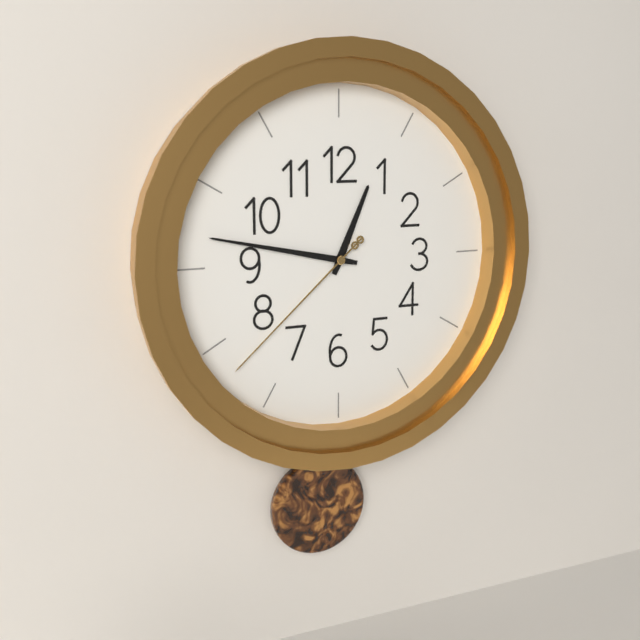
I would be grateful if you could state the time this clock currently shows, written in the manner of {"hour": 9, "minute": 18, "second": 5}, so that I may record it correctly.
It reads {"hour": 12, "minute": 47, "second": 38}
